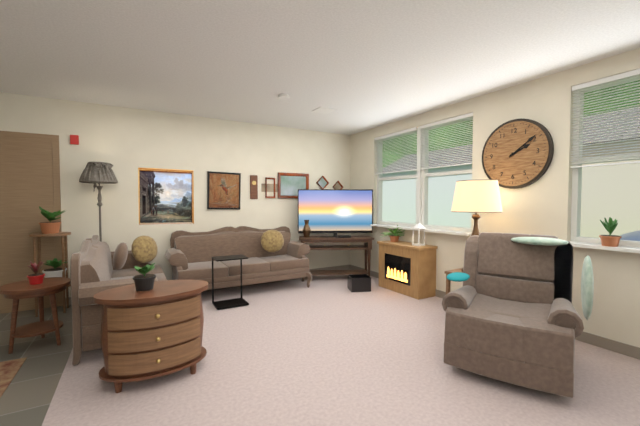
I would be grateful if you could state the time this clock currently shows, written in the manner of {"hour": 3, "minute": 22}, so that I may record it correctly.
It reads {"hour": 2, "minute": 9}
